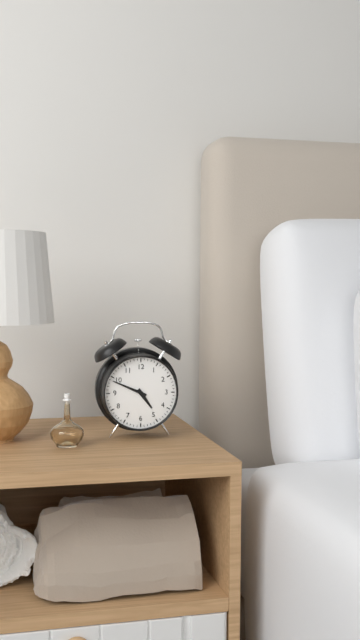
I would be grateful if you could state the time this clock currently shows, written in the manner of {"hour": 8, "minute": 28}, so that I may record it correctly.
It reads {"hour": 4, "minute": 49}
